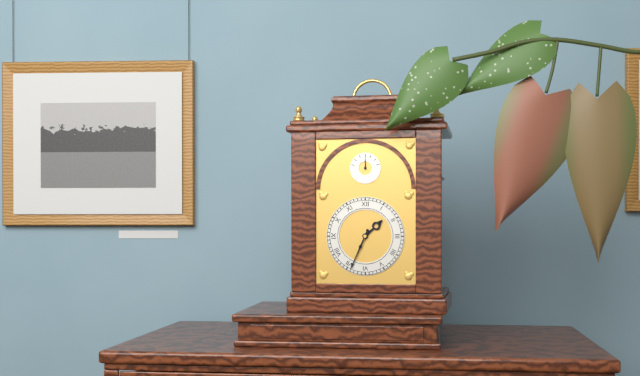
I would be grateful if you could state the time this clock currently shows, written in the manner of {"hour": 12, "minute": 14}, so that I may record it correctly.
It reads {"hour": 1, "minute": 34}
